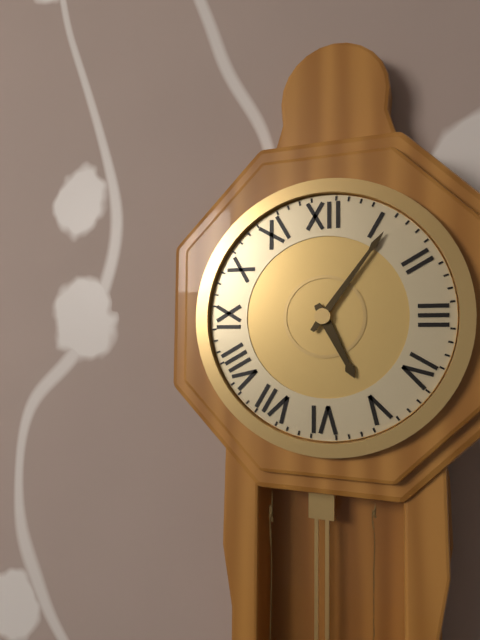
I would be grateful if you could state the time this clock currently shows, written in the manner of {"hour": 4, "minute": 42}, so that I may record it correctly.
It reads {"hour": 5, "minute": 6}
